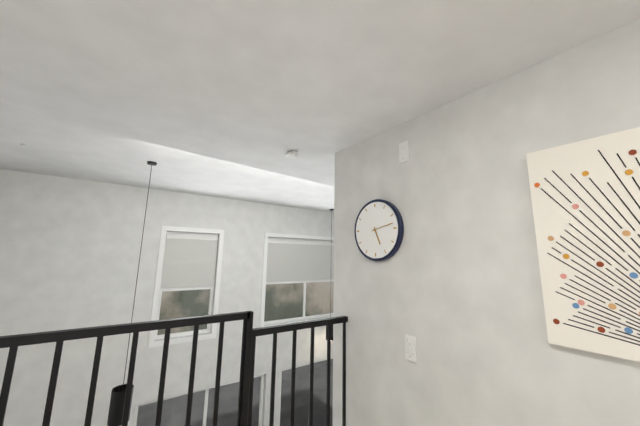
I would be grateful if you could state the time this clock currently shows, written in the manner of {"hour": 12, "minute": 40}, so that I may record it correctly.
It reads {"hour": 5, "minute": 13}
